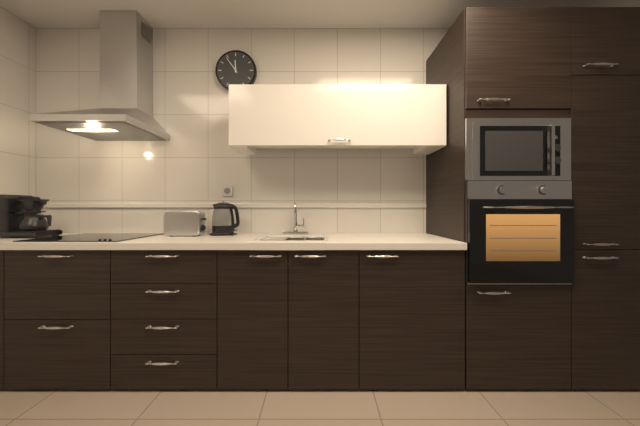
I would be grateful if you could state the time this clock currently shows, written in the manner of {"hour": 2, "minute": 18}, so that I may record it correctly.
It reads {"hour": 11, "minute": 54}
